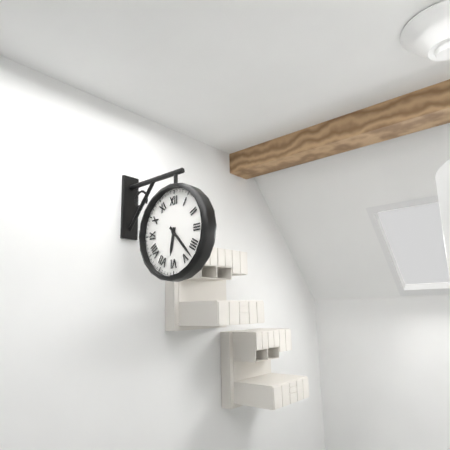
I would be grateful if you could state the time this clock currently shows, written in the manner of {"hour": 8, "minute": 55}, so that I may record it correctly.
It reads {"hour": 6, "minute": 23}
